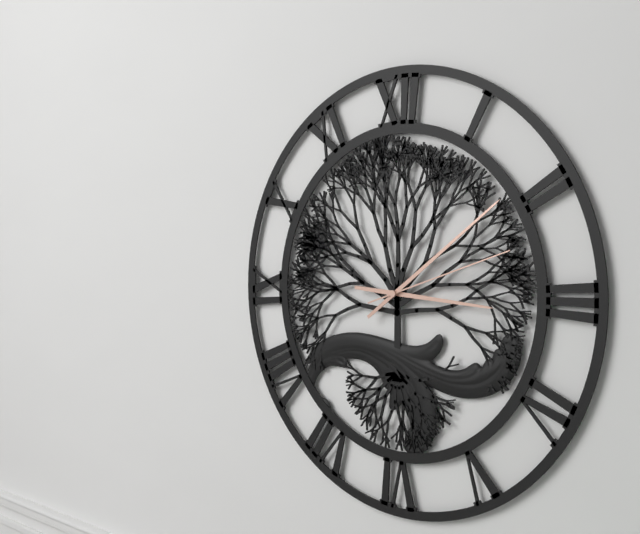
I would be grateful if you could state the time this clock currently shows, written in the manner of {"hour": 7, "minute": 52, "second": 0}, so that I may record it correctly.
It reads {"hour": 3, "minute": 9, "second": 12}
